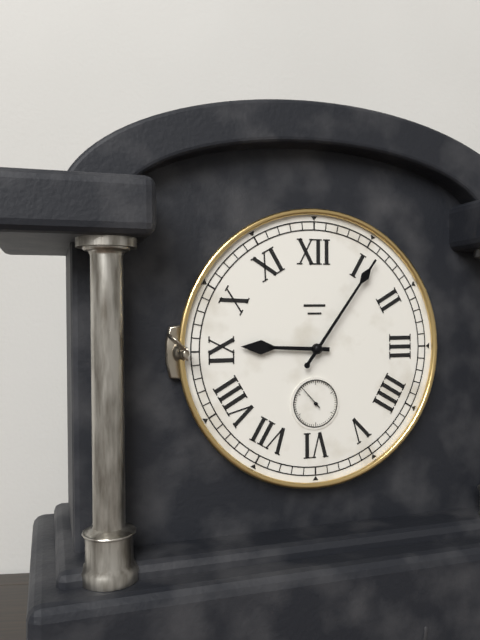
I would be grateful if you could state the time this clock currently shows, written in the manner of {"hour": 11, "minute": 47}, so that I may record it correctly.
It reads {"hour": 9, "minute": 6}
